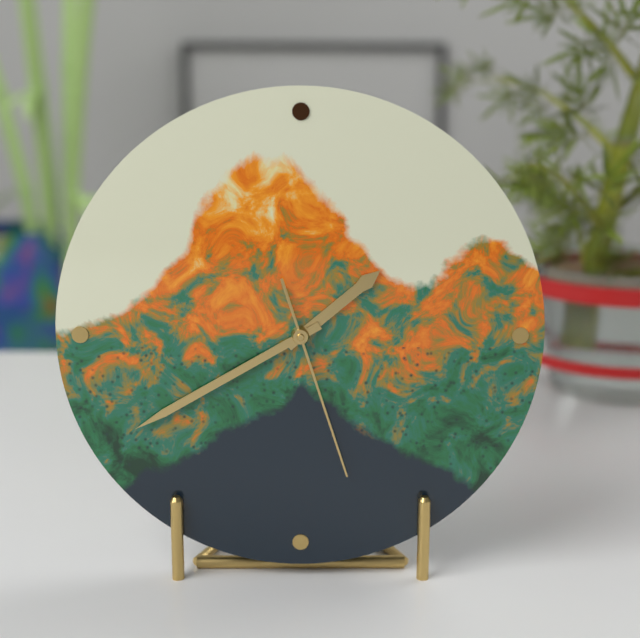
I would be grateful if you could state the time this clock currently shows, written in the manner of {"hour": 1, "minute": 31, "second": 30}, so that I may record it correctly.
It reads {"hour": 1, "minute": 40, "second": 27}
